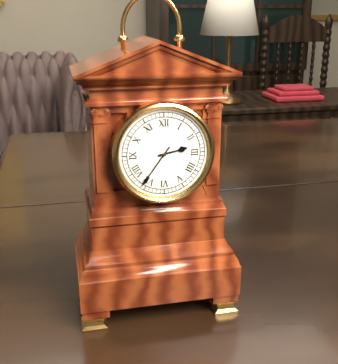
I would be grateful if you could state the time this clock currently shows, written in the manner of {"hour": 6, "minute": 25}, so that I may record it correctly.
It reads {"hour": 2, "minute": 36}
